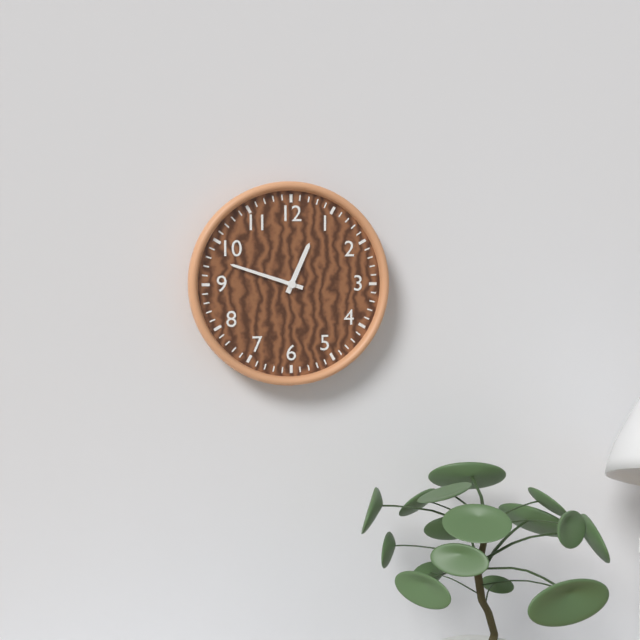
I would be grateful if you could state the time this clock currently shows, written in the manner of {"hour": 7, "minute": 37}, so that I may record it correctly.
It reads {"hour": 12, "minute": 48}
